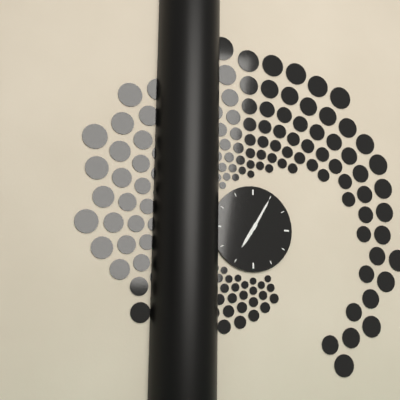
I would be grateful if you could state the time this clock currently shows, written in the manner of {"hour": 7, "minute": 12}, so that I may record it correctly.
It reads {"hour": 7, "minute": 5}
